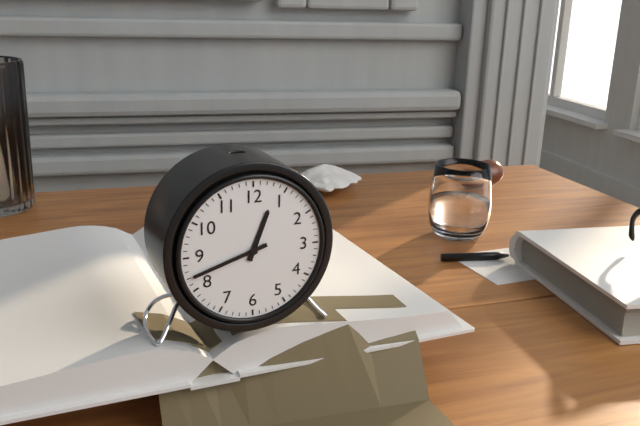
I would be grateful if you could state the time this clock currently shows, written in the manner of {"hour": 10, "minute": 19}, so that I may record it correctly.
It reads {"hour": 12, "minute": 42}
